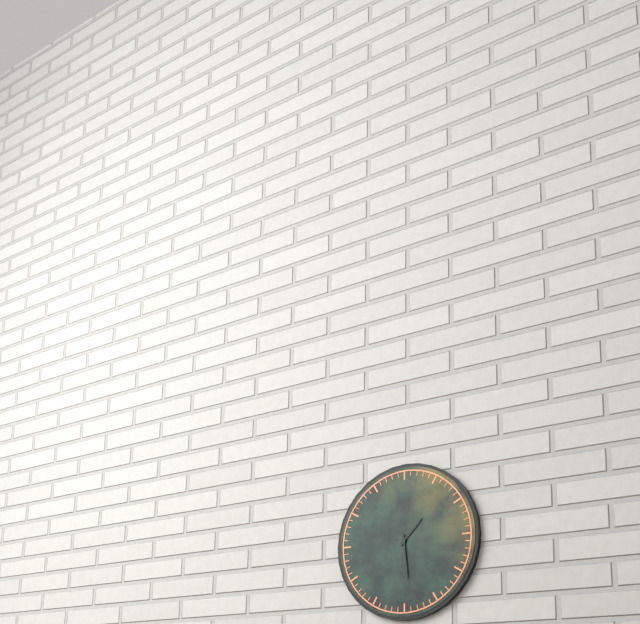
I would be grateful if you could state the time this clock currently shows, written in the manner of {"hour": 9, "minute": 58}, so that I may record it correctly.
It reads {"hour": 1, "minute": 29}
